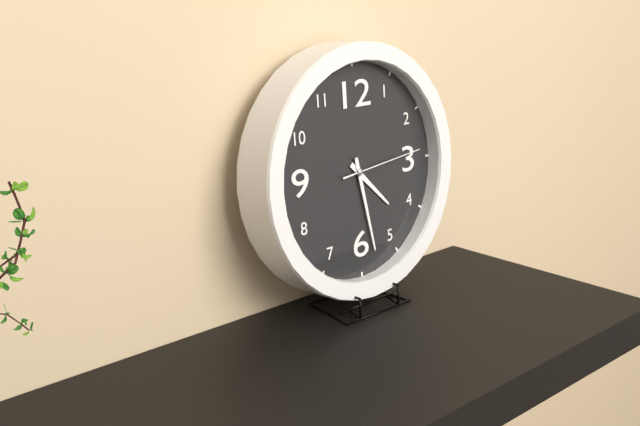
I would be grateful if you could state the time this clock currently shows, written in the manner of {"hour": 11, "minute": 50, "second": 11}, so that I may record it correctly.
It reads {"hour": 4, "minute": 28, "second": 14}
